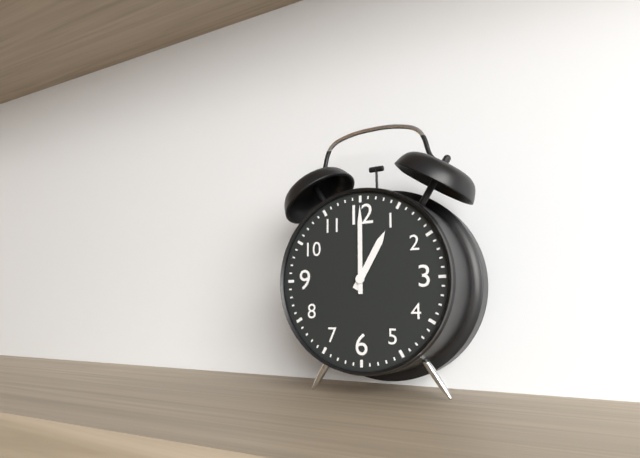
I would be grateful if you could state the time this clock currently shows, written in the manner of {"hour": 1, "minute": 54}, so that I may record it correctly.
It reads {"hour": 1, "minute": 0}
